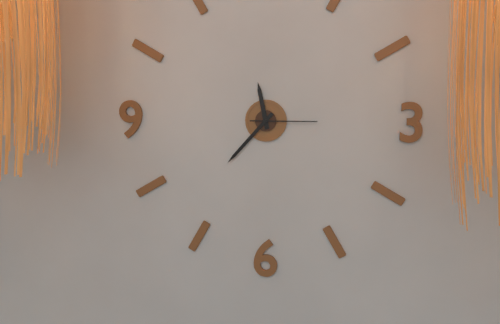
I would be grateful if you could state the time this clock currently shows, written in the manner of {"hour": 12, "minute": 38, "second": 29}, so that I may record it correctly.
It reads {"hour": 11, "minute": 37, "second": 15}
